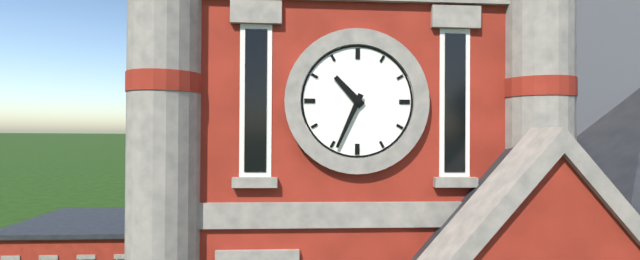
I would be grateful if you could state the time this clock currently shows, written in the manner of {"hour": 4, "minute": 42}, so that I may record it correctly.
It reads {"hour": 10, "minute": 34}
